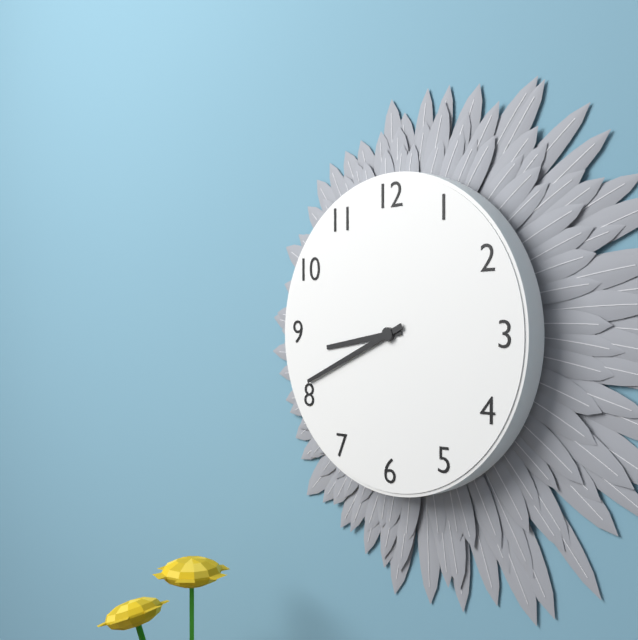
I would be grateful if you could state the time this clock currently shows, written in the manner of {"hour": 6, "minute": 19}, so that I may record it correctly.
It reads {"hour": 8, "minute": 41}
